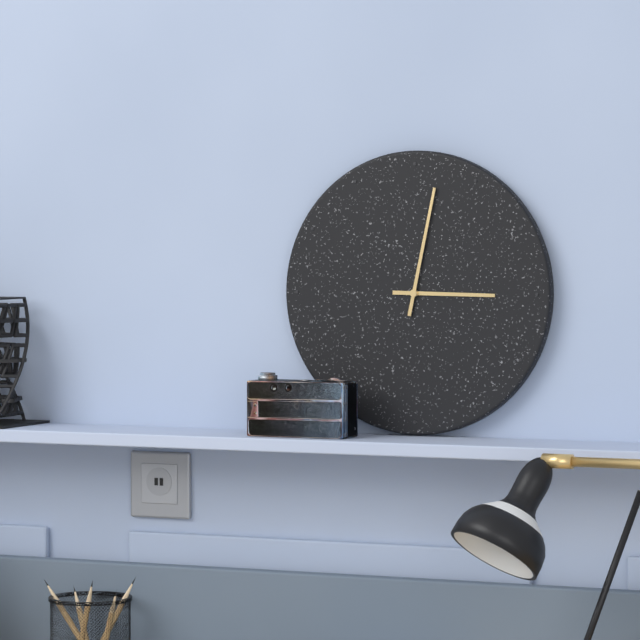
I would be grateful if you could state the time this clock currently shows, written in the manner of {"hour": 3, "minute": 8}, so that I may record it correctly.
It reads {"hour": 3, "minute": 2}
